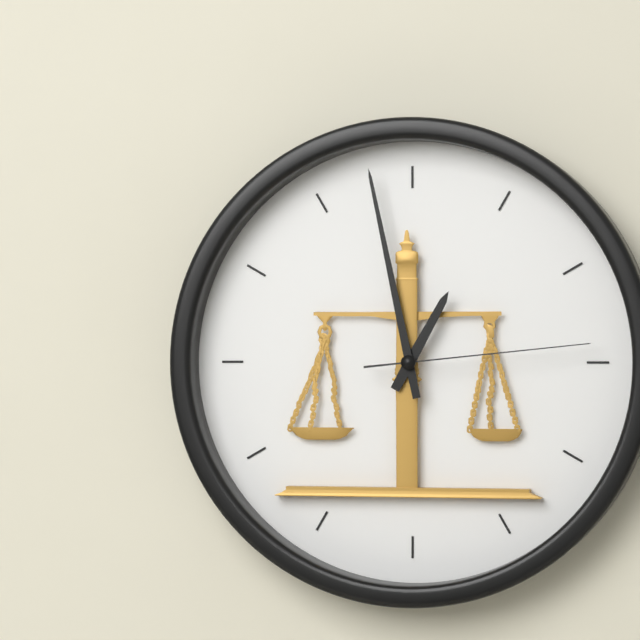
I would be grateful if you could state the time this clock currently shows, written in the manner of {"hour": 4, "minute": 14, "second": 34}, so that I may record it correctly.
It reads {"hour": 12, "minute": 58, "second": 14}
